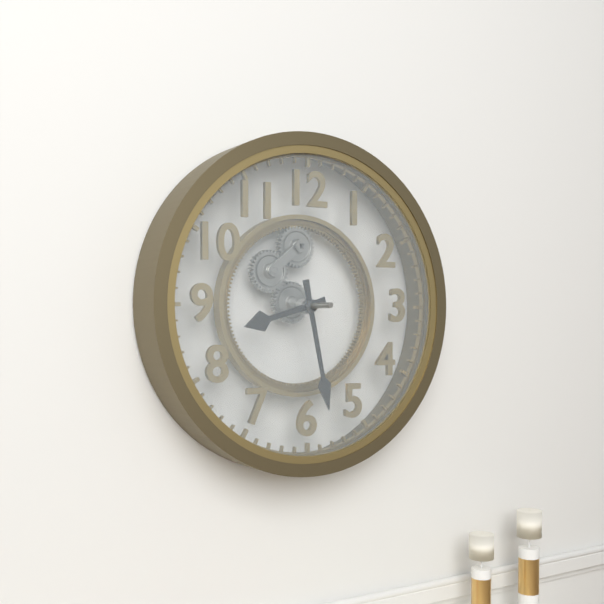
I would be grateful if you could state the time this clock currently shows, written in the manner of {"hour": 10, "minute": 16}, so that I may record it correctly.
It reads {"hour": 8, "minute": 28}
